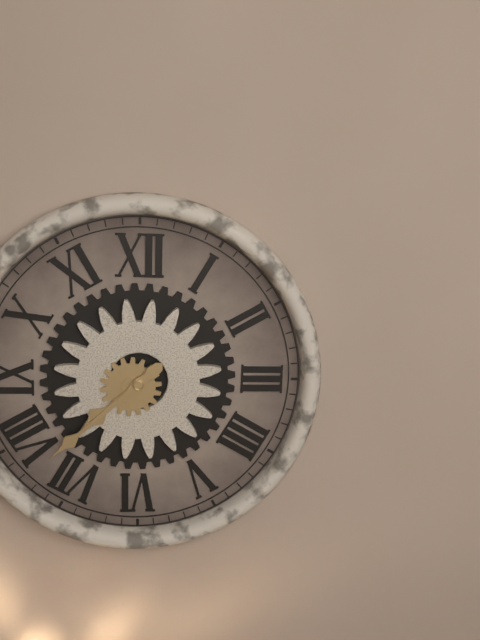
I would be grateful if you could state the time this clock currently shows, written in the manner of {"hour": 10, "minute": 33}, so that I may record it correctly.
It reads {"hour": 7, "minute": 38}
